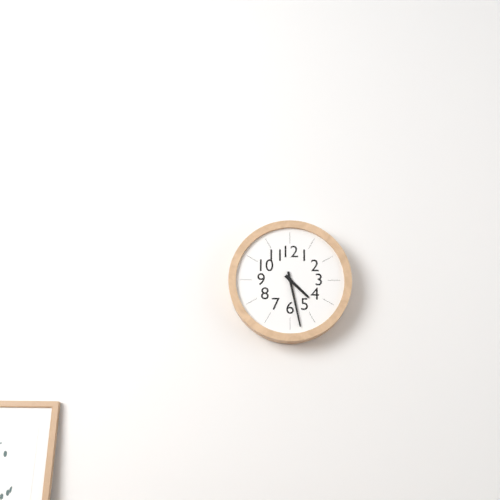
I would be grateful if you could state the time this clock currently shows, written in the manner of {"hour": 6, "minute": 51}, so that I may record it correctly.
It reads {"hour": 4, "minute": 28}
